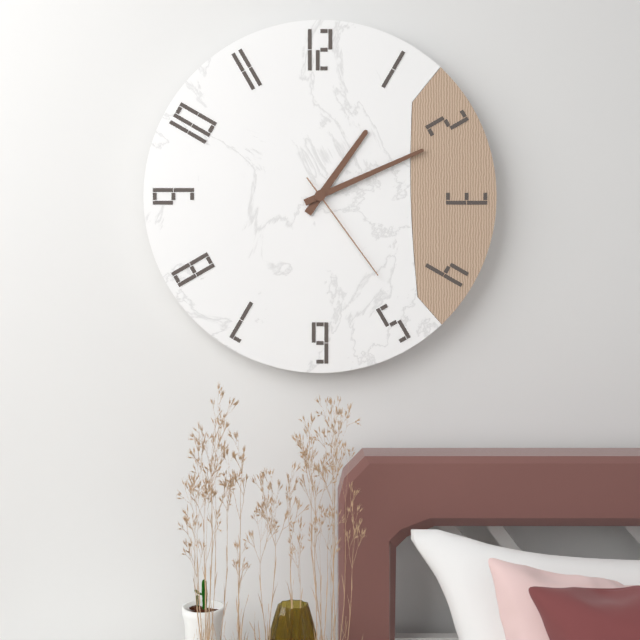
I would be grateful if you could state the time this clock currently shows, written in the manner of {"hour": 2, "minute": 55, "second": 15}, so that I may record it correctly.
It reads {"hour": 1, "minute": 11, "second": 24}
